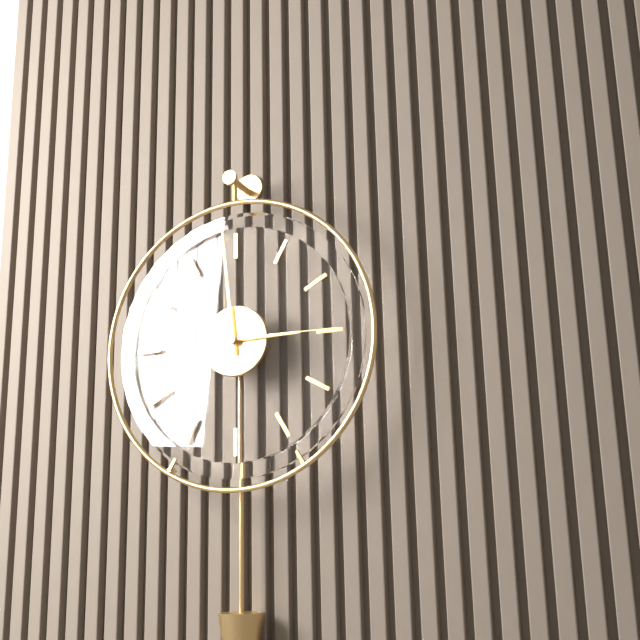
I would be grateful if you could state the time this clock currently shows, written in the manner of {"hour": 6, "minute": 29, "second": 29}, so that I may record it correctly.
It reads {"hour": 2, "minute": 59, "second": 15}
